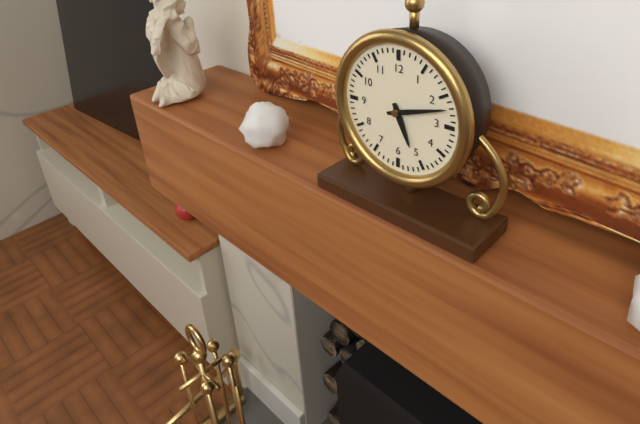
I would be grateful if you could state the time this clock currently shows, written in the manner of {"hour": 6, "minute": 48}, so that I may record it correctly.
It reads {"hour": 5, "minute": 12}
